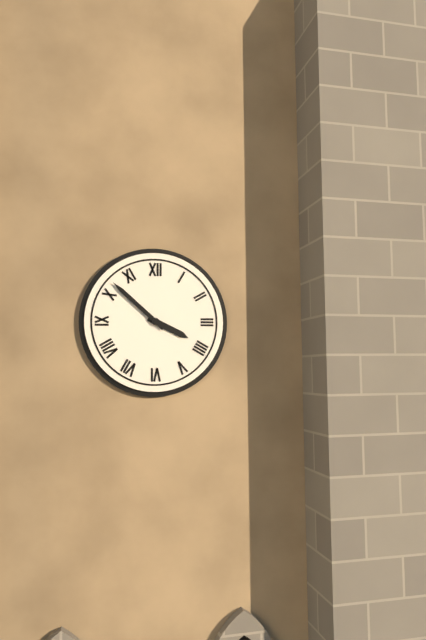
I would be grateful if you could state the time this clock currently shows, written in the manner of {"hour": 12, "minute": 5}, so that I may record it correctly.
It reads {"hour": 3, "minute": 52}
